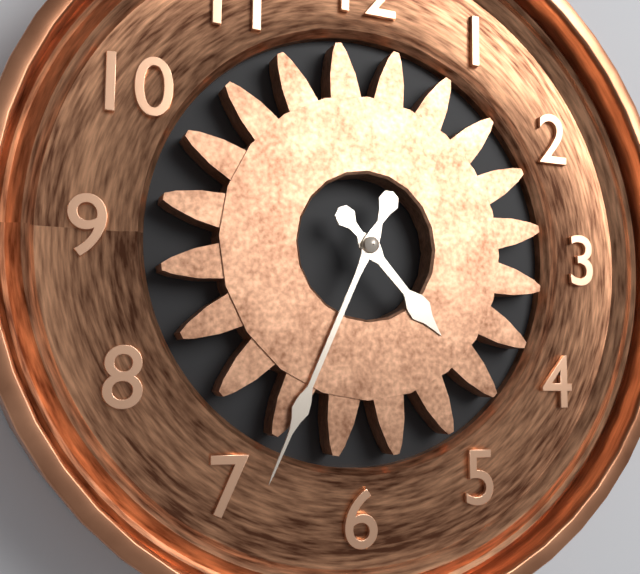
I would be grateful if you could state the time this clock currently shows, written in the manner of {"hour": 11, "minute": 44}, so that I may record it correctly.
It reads {"hour": 4, "minute": 34}
